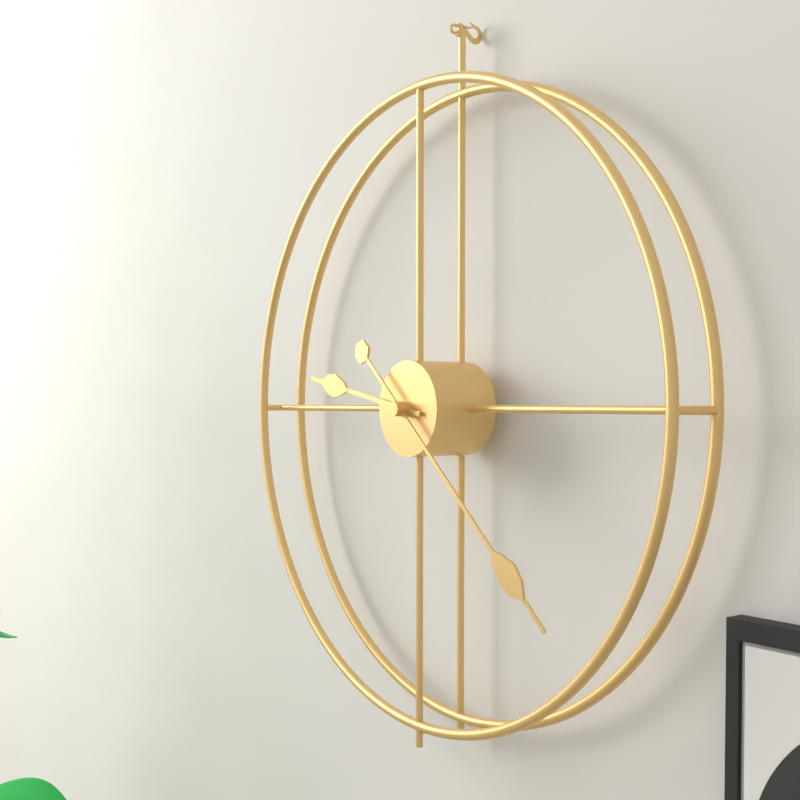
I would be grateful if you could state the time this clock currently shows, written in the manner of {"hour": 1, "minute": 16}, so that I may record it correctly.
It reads {"hour": 9, "minute": 22}
